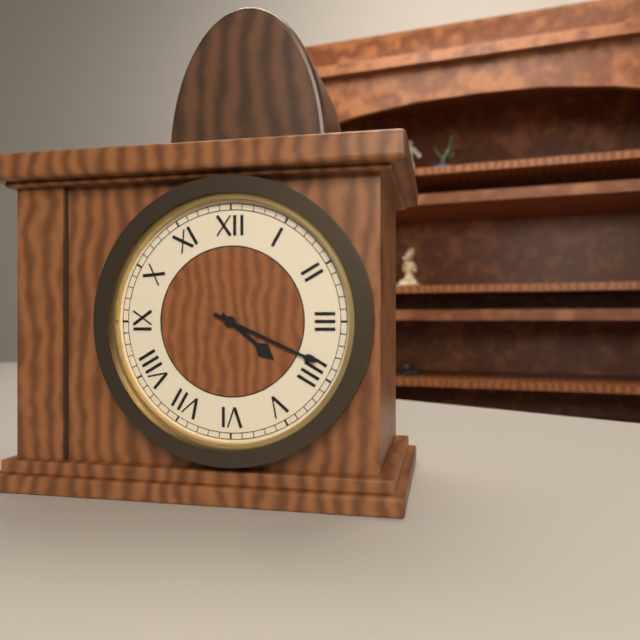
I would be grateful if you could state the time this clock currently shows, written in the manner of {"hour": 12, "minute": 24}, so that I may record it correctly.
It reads {"hour": 4, "minute": 19}
